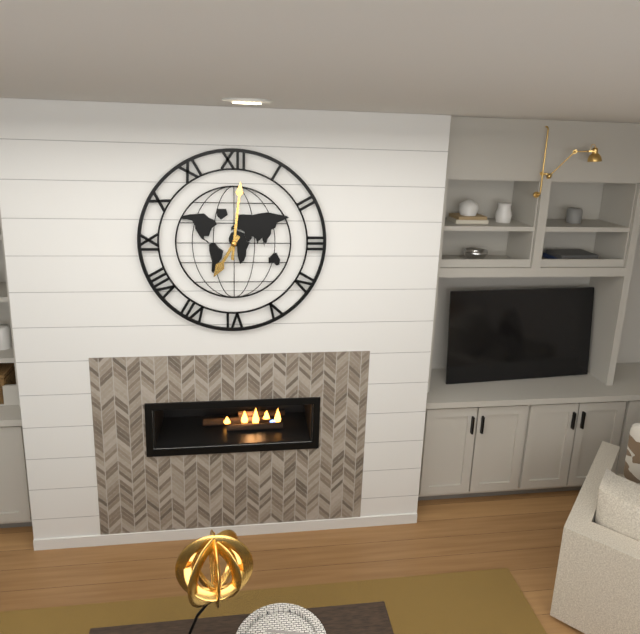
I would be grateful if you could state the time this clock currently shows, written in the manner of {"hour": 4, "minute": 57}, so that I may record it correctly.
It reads {"hour": 7, "minute": 1}
